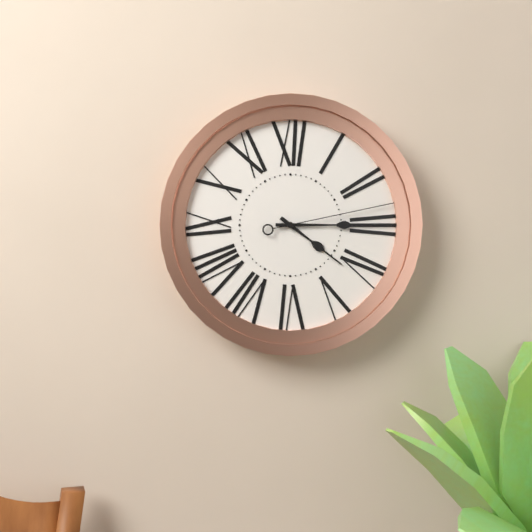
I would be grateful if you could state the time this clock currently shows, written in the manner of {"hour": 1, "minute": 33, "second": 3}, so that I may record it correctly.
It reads {"hour": 4, "minute": 15, "second": 13}
